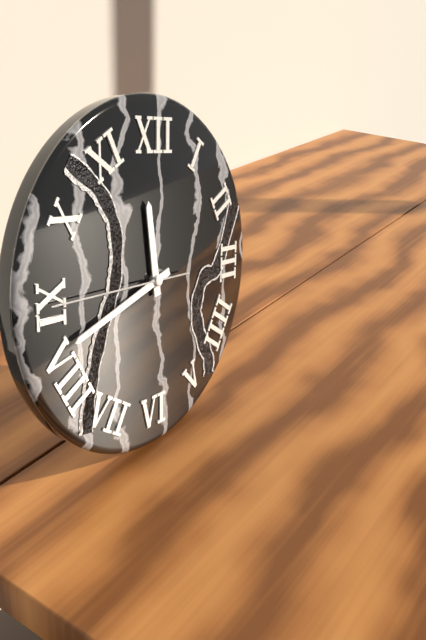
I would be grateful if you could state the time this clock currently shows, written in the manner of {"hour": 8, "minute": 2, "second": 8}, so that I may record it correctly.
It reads {"hour": 11, "minute": 42, "second": 45}
